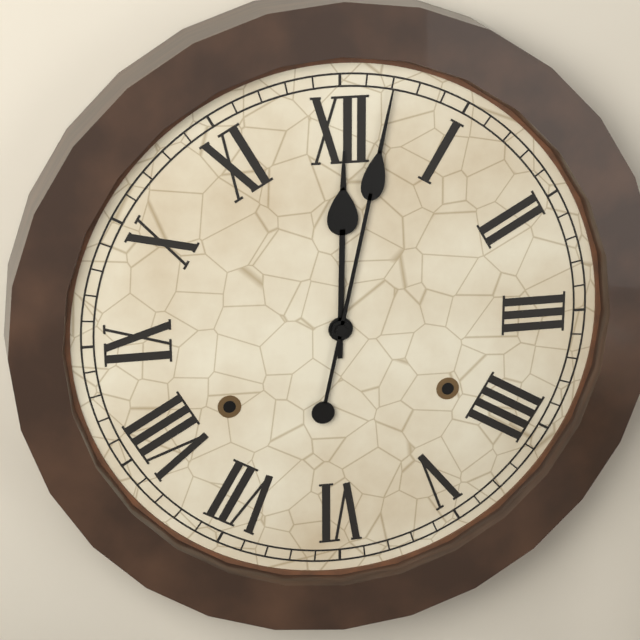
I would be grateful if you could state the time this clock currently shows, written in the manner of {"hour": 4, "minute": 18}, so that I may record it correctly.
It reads {"hour": 12, "minute": 2}
